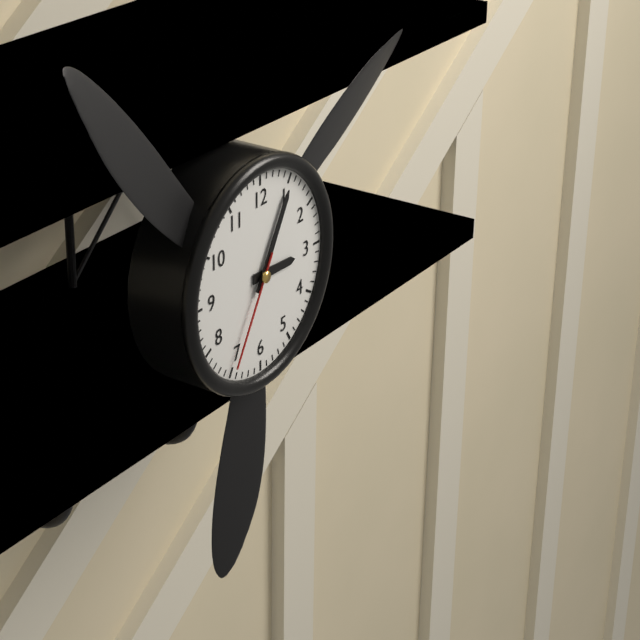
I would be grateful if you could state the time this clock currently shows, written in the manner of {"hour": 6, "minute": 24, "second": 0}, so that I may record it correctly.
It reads {"hour": 3, "minute": 5, "second": 35}
